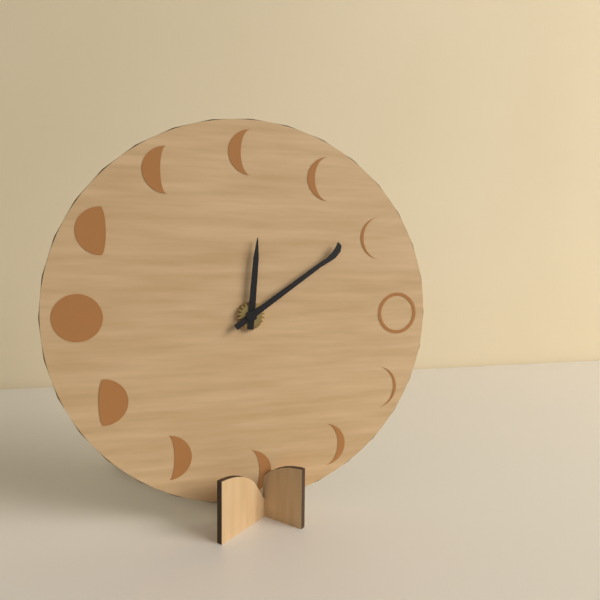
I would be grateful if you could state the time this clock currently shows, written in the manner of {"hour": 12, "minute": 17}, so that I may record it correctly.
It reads {"hour": 12, "minute": 9}
